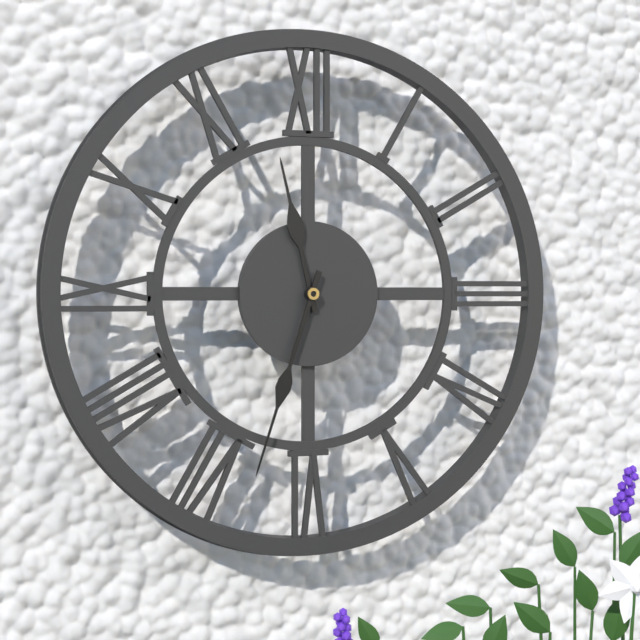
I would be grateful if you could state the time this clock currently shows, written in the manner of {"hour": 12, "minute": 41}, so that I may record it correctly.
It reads {"hour": 11, "minute": 33}
